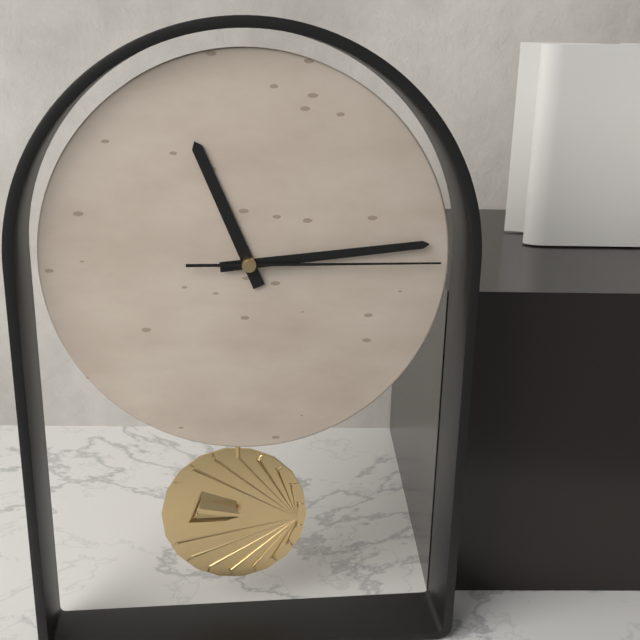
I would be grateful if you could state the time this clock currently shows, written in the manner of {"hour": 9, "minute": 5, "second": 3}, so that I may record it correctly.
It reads {"hour": 11, "minute": 14, "second": 15}
